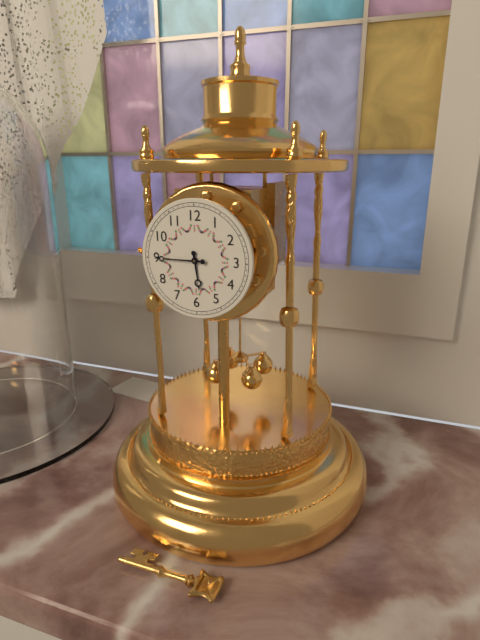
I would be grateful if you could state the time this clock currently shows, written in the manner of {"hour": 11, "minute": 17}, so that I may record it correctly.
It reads {"hour": 5, "minute": 45}
